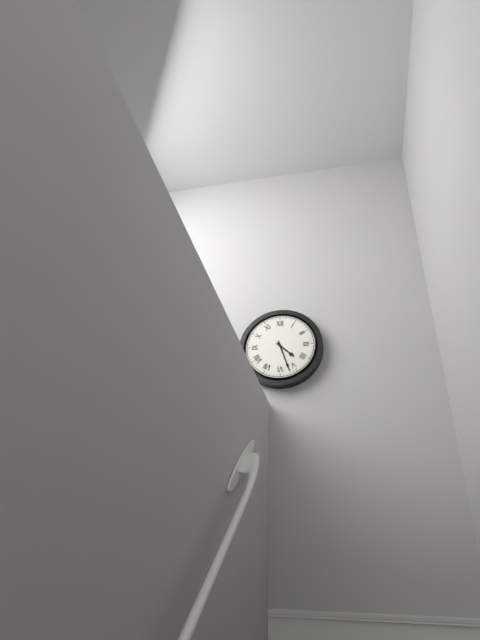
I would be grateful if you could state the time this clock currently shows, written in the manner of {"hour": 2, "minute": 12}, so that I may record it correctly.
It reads {"hour": 4, "minute": 27}
